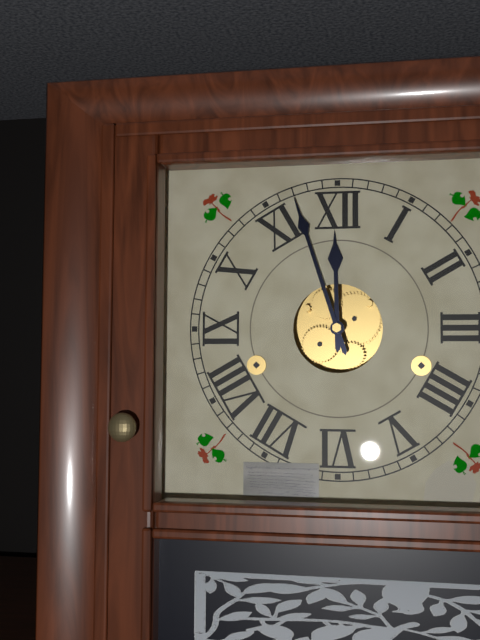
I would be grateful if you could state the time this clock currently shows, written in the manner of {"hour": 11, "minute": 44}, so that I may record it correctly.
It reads {"hour": 11, "minute": 57}
